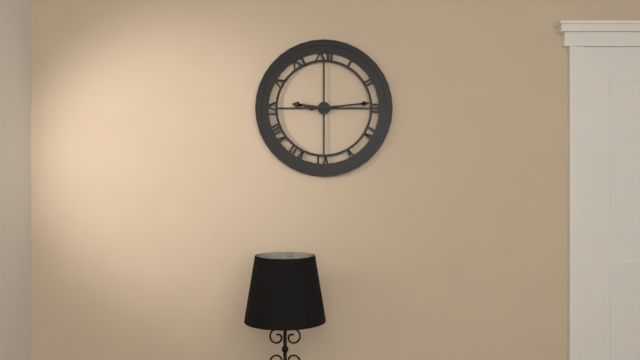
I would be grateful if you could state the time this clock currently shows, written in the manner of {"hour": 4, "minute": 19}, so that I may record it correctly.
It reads {"hour": 9, "minute": 14}
